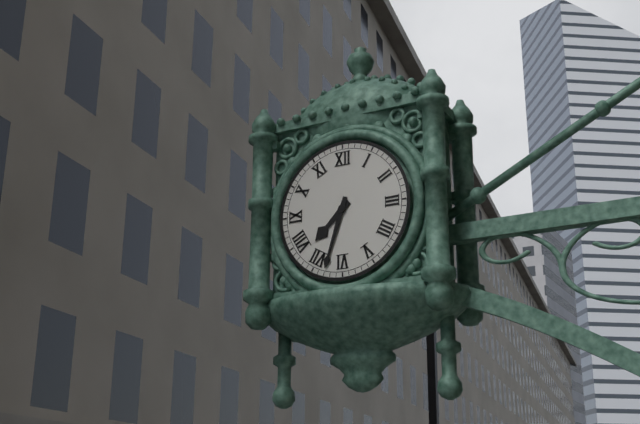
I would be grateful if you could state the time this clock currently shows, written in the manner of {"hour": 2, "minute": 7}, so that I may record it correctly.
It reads {"hour": 7, "minute": 33}
